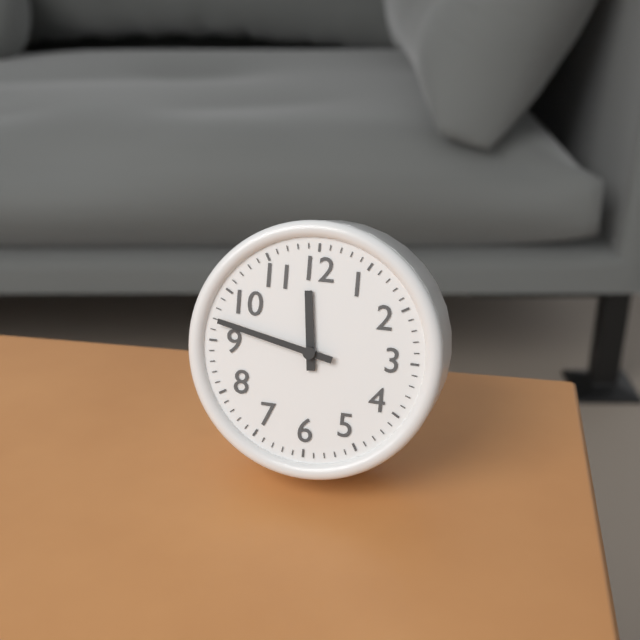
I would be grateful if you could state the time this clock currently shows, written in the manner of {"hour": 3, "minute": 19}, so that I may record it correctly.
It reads {"hour": 11, "minute": 47}
